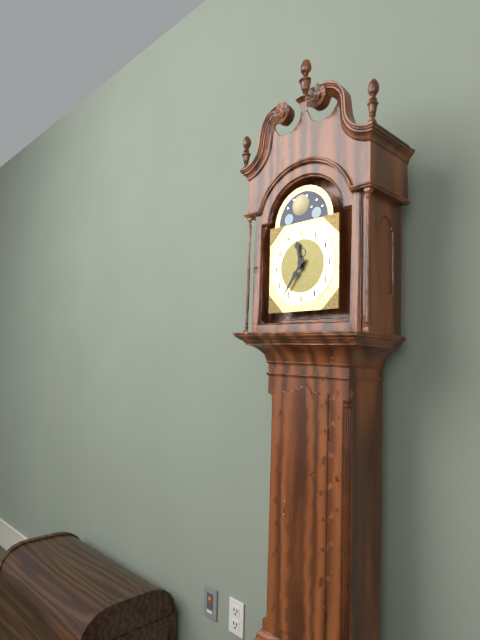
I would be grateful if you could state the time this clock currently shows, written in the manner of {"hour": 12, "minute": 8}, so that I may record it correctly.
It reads {"hour": 11, "minute": 36}
